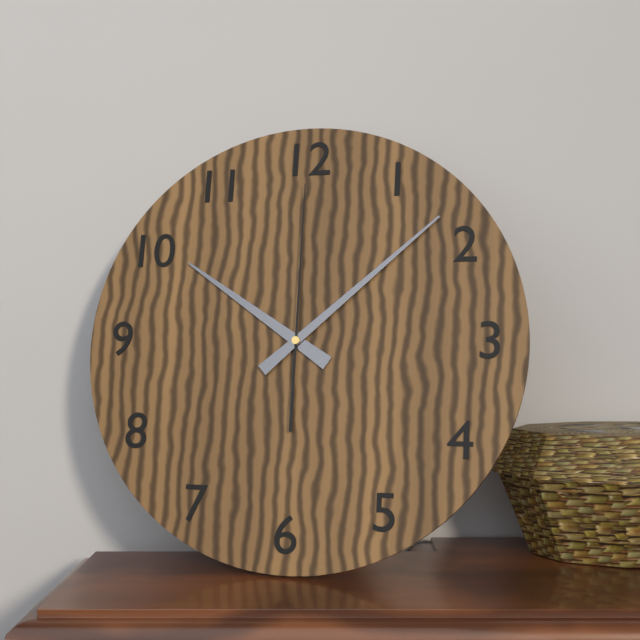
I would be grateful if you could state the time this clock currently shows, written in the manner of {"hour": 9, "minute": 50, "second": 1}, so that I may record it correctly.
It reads {"hour": 10, "minute": 8, "second": 0}
